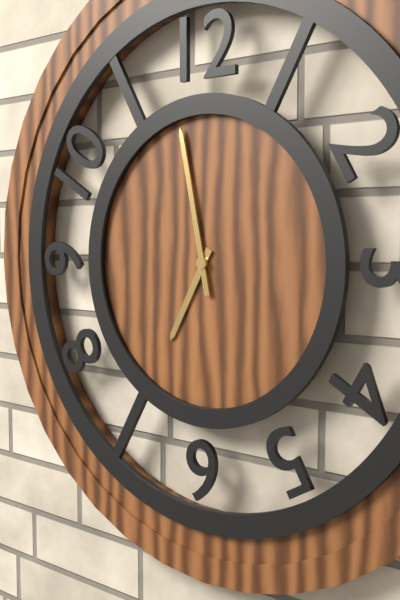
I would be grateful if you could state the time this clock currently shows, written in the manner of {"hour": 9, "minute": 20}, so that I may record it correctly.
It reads {"hour": 6, "minute": 58}
